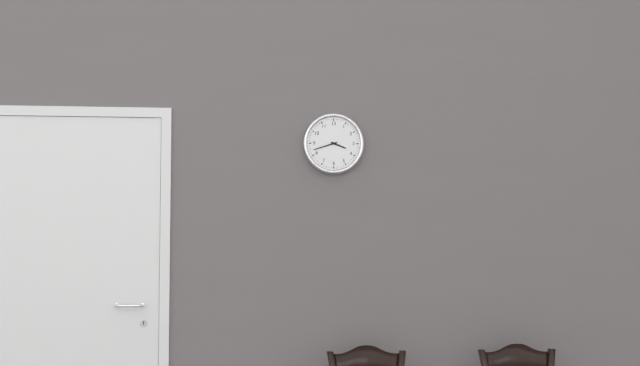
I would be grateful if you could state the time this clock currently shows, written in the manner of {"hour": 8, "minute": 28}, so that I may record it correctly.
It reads {"hour": 3, "minute": 42}
